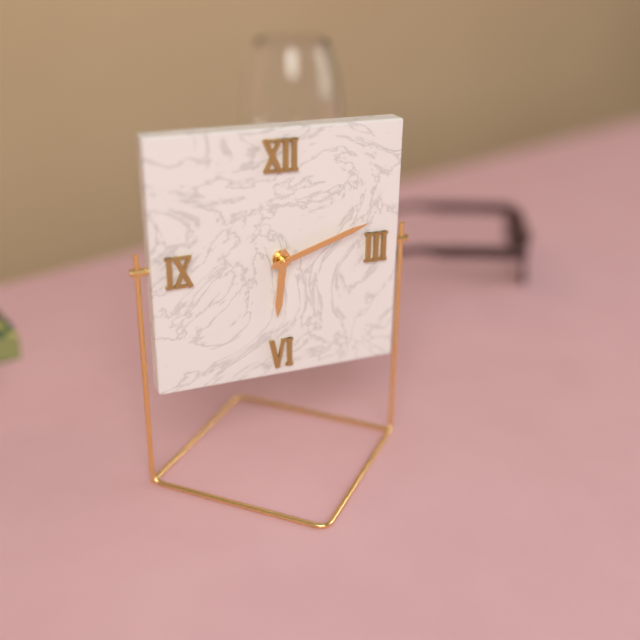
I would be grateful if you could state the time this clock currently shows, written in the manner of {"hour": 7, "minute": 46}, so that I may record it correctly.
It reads {"hour": 6, "minute": 12}
